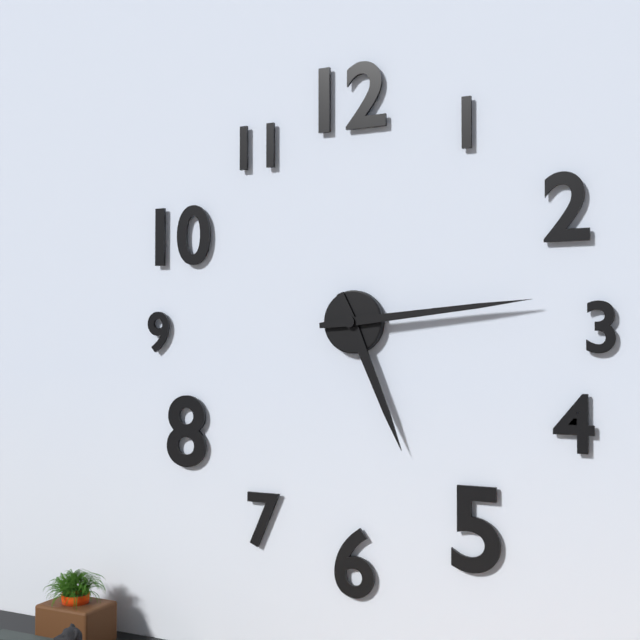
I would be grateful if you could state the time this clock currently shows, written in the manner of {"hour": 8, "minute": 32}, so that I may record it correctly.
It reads {"hour": 5, "minute": 14}
